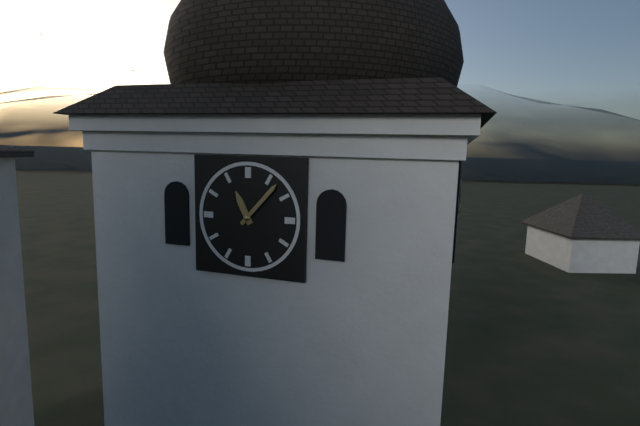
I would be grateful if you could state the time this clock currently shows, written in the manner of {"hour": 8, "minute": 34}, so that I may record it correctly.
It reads {"hour": 11, "minute": 7}
